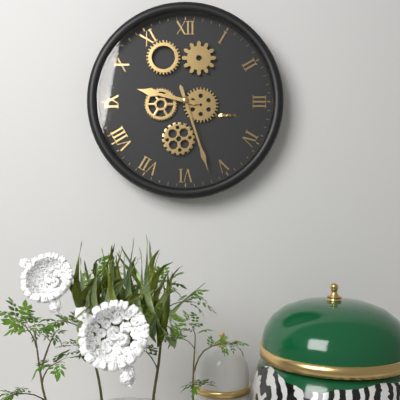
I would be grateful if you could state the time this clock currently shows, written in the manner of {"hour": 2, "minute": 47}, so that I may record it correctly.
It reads {"hour": 9, "minute": 27}
